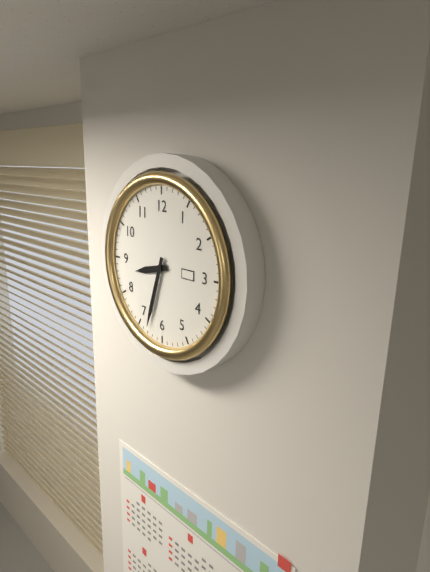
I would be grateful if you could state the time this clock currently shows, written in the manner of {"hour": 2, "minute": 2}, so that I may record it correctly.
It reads {"hour": 8, "minute": 33}
